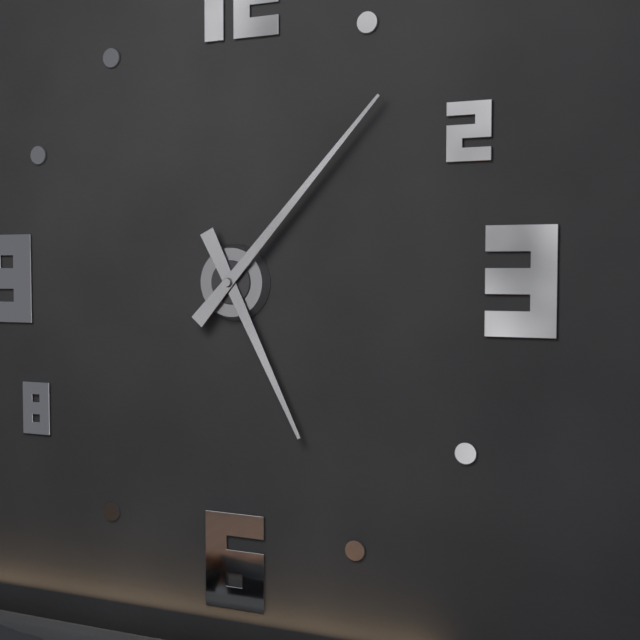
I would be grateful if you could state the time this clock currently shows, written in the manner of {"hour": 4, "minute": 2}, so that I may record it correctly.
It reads {"hour": 5, "minute": 7}
